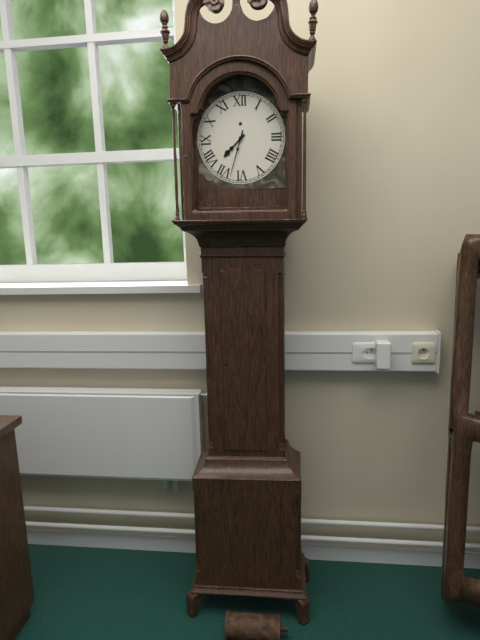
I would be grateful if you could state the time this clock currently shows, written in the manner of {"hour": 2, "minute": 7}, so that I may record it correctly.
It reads {"hour": 7, "minute": 33}
